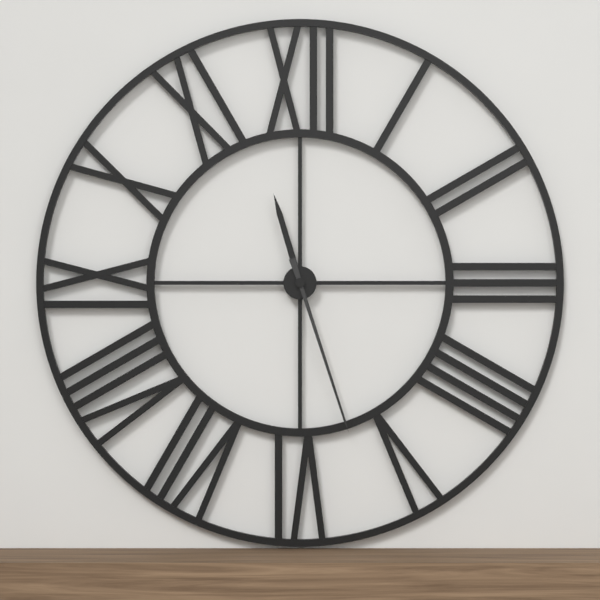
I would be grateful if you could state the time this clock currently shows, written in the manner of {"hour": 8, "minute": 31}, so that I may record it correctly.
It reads {"hour": 11, "minute": 27}
